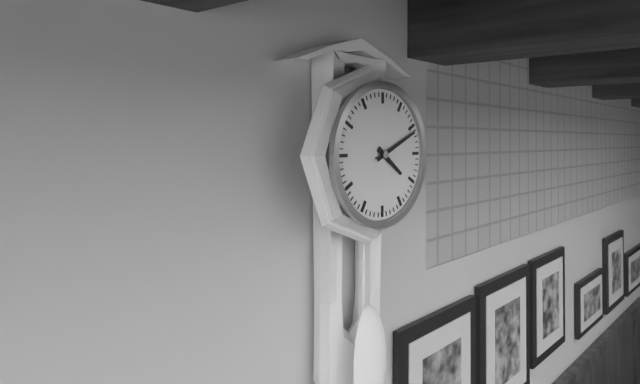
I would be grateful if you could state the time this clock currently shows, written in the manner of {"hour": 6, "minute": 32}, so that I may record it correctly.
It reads {"hour": 4, "minute": 11}
